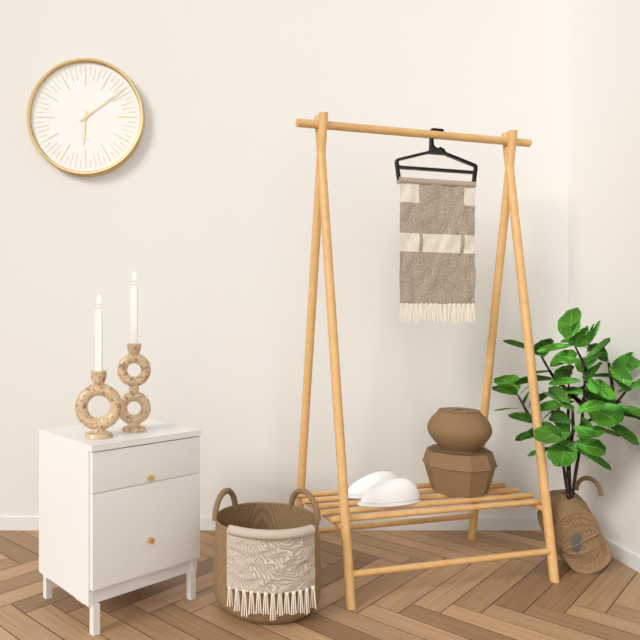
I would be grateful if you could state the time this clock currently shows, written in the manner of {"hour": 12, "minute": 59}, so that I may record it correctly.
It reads {"hour": 6, "minute": 9}
